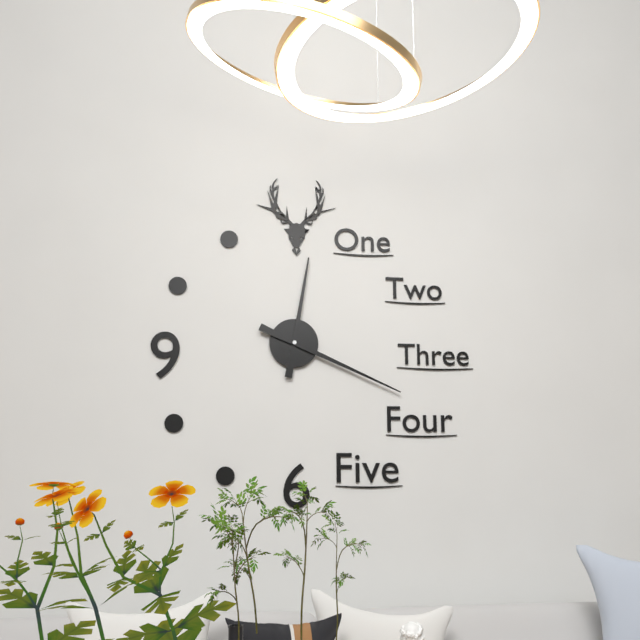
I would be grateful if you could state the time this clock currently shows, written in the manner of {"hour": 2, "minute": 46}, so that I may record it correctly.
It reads {"hour": 12, "minute": 19}
